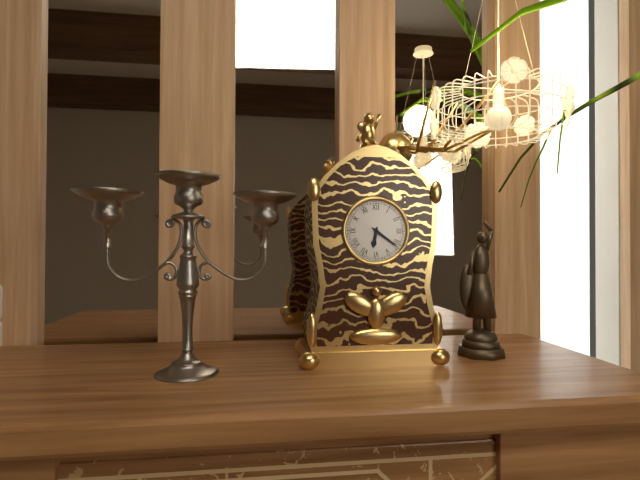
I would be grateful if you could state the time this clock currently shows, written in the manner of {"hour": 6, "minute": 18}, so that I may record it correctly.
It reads {"hour": 6, "minute": 21}
